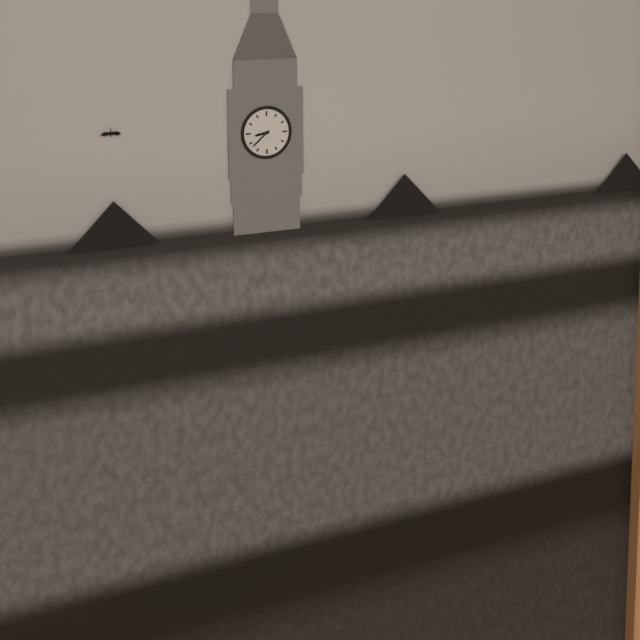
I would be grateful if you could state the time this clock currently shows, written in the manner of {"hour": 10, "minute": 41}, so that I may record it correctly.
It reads {"hour": 8, "minute": 38}
